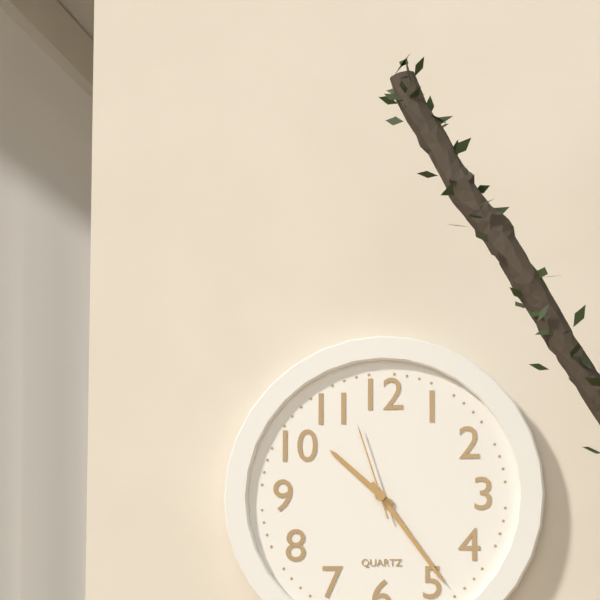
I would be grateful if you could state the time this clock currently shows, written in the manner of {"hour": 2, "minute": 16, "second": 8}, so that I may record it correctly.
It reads {"hour": 10, "minute": 24, "second": 57}
